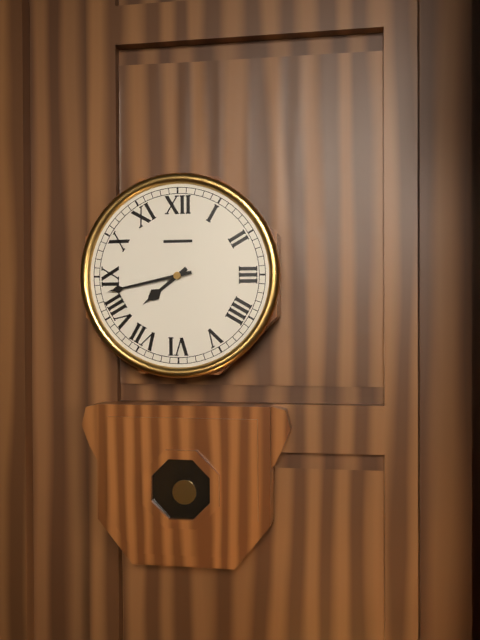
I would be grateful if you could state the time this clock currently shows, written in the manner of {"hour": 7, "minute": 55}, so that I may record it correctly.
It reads {"hour": 7, "minute": 43}
